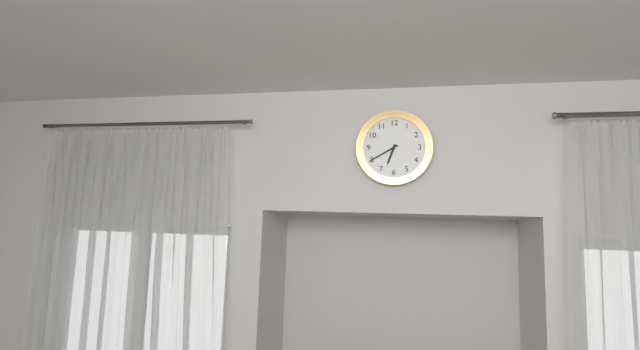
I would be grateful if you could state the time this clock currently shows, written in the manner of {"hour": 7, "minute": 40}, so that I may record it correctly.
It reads {"hour": 6, "minute": 40}
